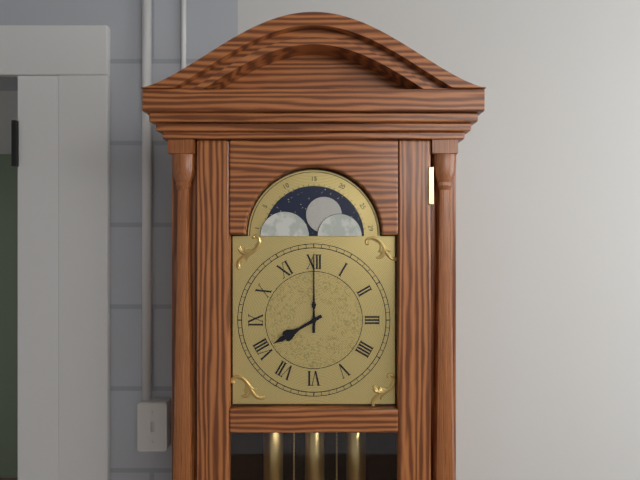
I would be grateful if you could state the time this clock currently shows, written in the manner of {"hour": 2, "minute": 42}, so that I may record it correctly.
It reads {"hour": 8, "minute": 0}
